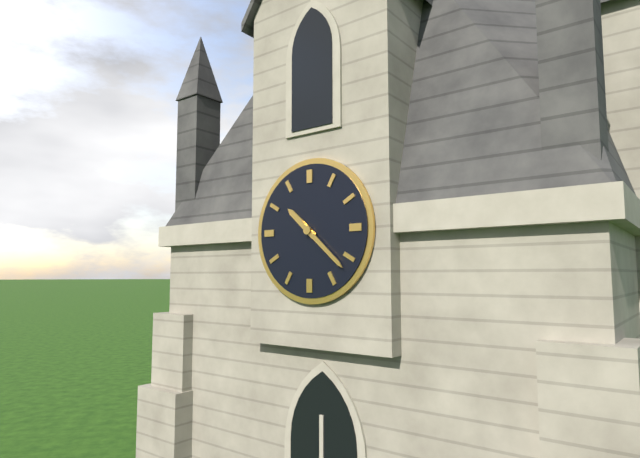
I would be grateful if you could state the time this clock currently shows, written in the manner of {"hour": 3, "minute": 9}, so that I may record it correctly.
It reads {"hour": 10, "minute": 22}
